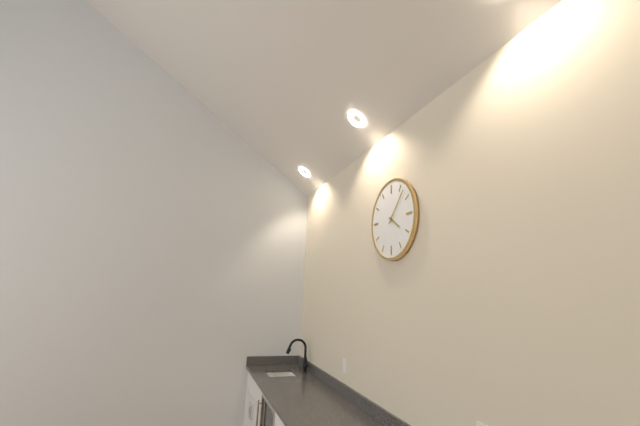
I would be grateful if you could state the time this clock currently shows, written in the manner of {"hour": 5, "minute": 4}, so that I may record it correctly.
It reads {"hour": 4, "minute": 7}
